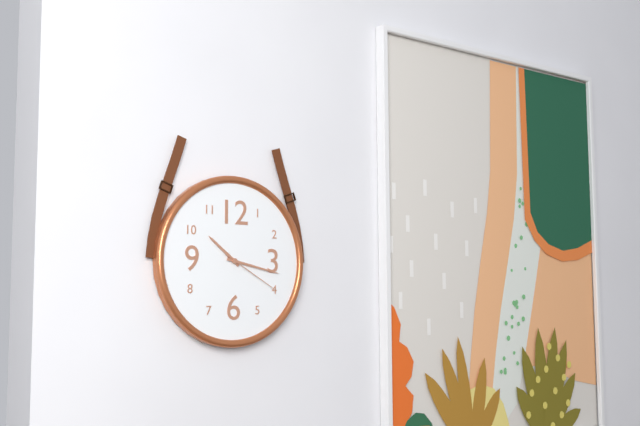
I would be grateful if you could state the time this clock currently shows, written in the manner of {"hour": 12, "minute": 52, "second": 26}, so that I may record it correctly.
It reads {"hour": 10, "minute": 17, "second": 20}
